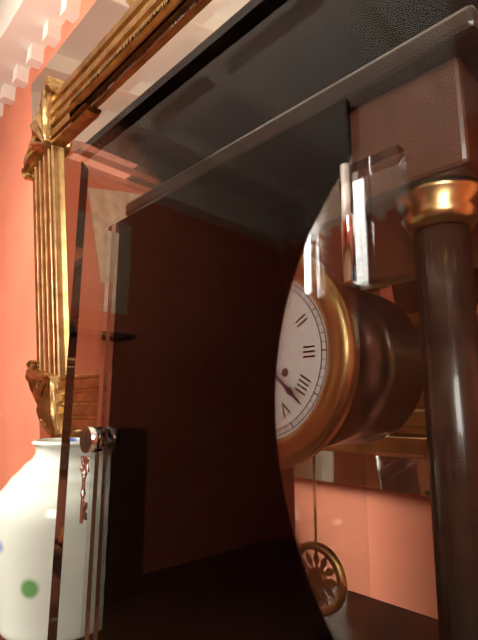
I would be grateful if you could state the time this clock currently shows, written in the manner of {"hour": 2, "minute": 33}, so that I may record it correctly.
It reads {"hour": 6, "minute": 22}
